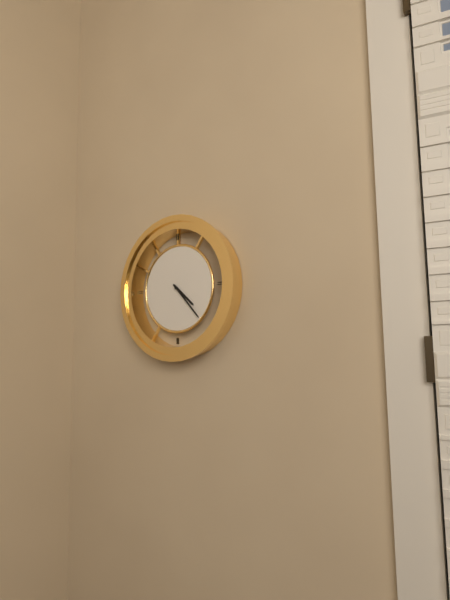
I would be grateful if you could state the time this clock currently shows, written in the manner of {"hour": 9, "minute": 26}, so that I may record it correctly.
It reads {"hour": 4, "minute": 23}
